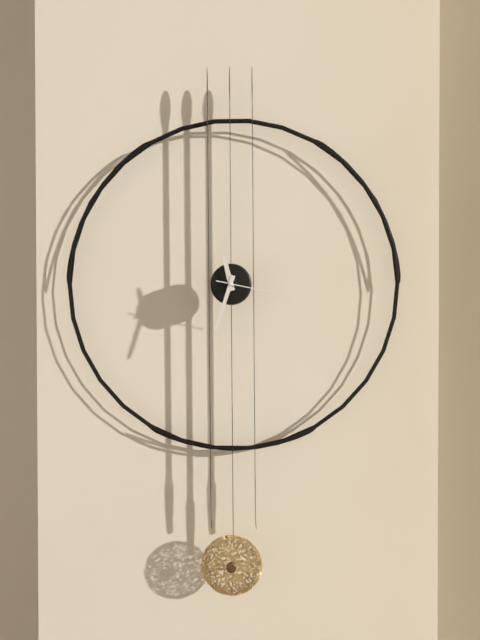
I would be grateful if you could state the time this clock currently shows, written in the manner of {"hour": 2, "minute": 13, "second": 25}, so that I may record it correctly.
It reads {"hour": 11, "minute": 33, "second": 17}
